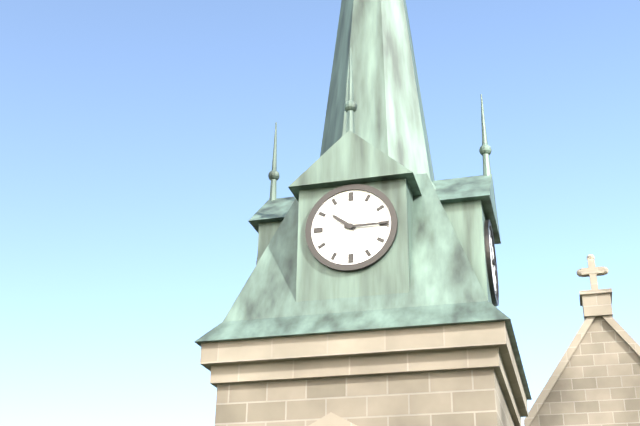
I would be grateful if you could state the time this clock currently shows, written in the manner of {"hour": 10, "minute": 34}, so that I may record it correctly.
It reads {"hour": 10, "minute": 15}
